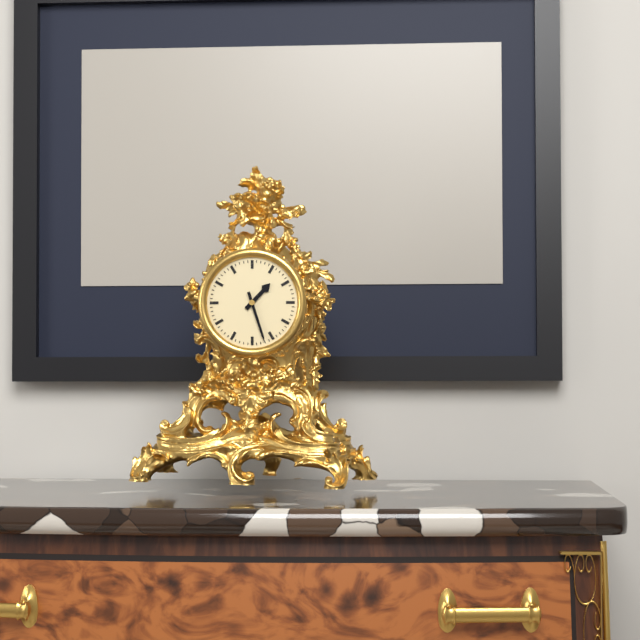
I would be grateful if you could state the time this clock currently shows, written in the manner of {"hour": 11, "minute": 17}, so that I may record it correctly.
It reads {"hour": 1, "minute": 27}
